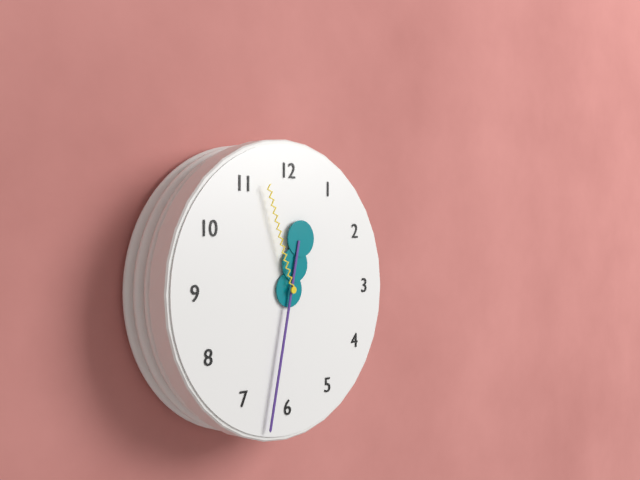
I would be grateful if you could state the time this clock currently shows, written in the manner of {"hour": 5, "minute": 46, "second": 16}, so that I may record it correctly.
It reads {"hour": 12, "minute": 32, "second": 57}
